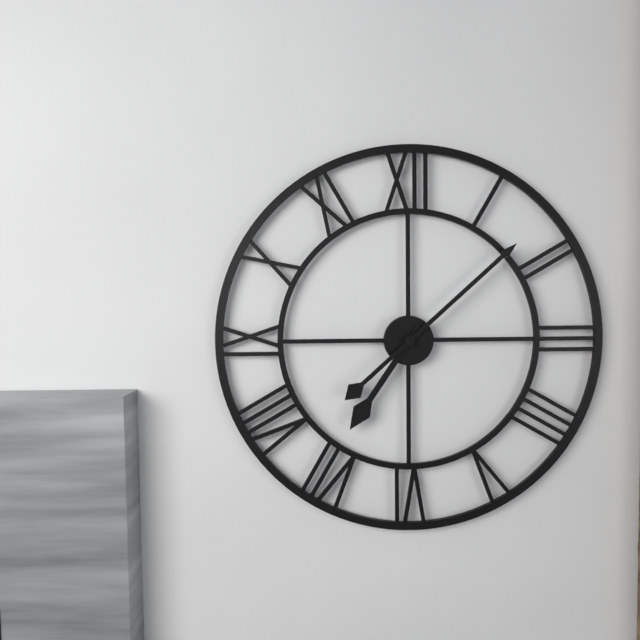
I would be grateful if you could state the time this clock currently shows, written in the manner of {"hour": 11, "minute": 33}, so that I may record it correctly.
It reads {"hour": 7, "minute": 8}
